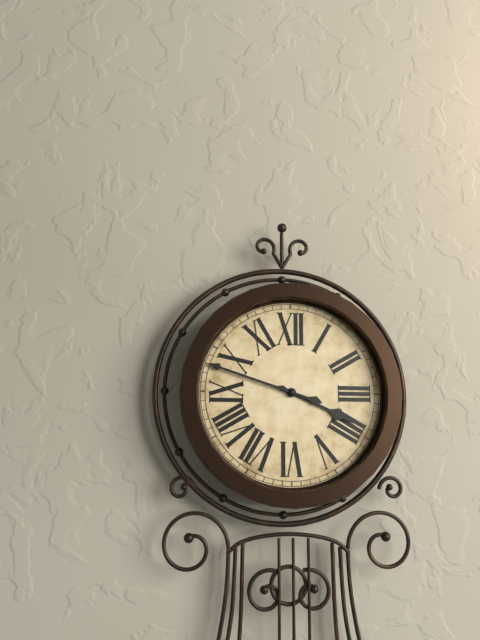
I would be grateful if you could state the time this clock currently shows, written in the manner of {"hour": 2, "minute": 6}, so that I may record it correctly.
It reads {"hour": 3, "minute": 48}
